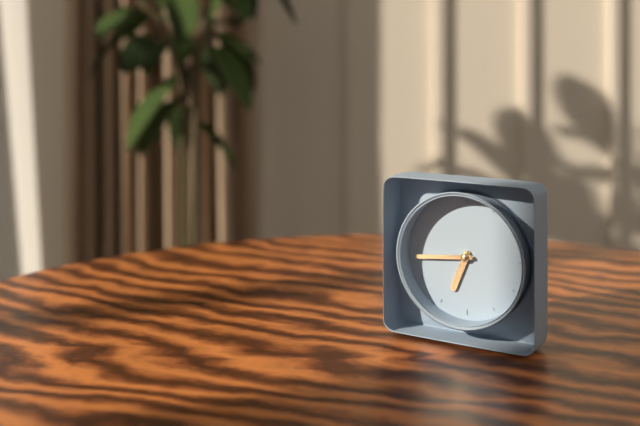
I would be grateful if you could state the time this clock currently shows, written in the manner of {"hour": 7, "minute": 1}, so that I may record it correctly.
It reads {"hour": 6, "minute": 44}
